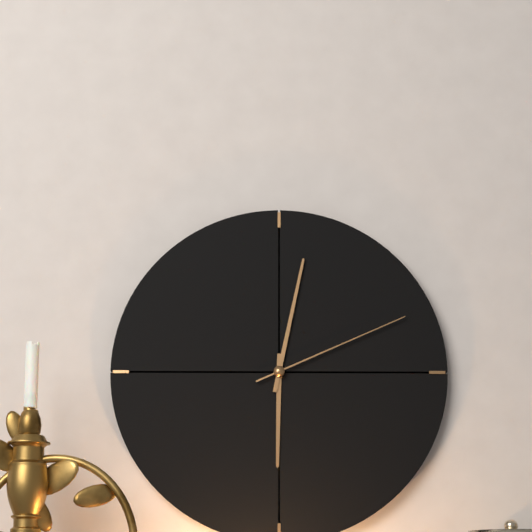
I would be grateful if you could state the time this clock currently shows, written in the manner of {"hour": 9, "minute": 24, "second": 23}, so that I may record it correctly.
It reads {"hour": 6, "minute": 2, "second": 11}
